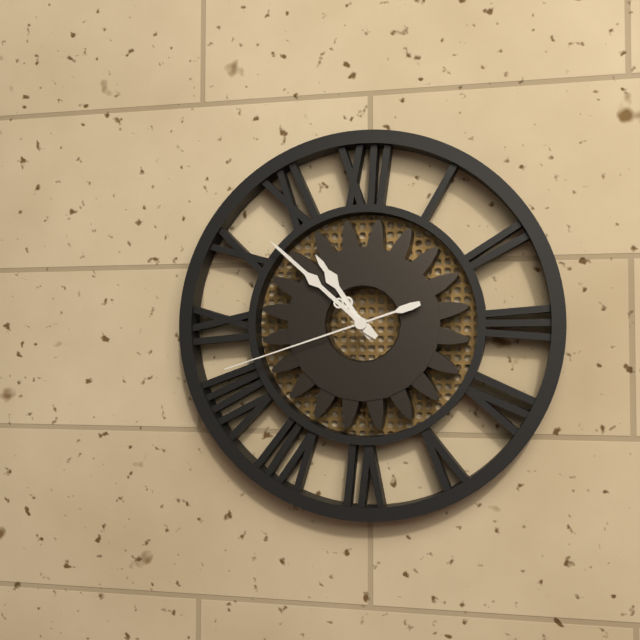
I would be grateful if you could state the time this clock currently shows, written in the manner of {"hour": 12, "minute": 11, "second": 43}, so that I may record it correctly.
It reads {"hour": 10, "minute": 52, "second": 42}
